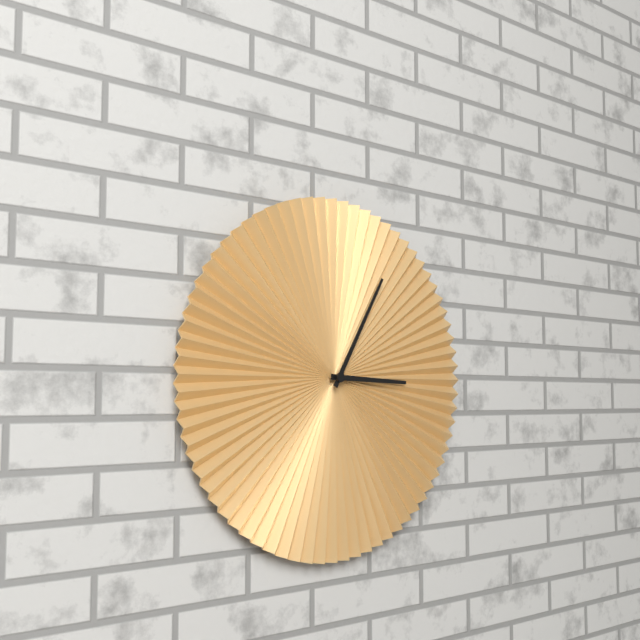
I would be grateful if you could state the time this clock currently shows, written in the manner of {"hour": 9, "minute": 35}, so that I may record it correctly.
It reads {"hour": 3, "minute": 5}
